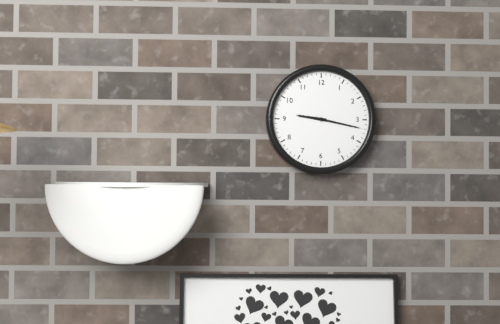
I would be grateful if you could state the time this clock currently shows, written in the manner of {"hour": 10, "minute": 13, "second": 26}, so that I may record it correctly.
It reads {"hour": 9, "minute": 17, "second": 17}
